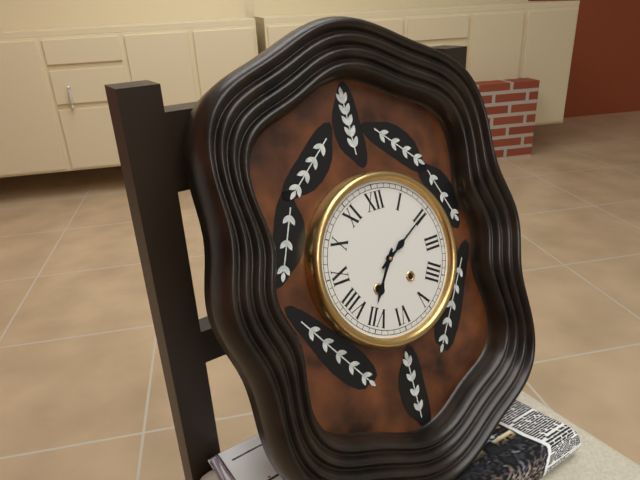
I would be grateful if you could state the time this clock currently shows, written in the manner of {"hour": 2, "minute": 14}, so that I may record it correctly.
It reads {"hour": 7, "minute": 10}
